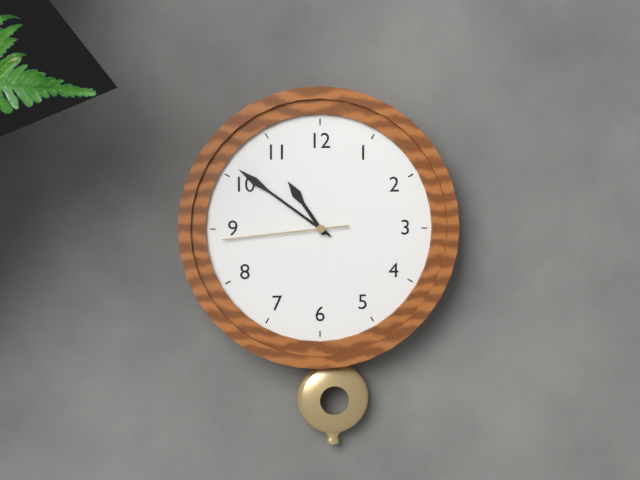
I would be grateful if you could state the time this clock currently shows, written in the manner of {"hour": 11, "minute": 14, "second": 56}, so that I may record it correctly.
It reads {"hour": 10, "minute": 51, "second": 44}
